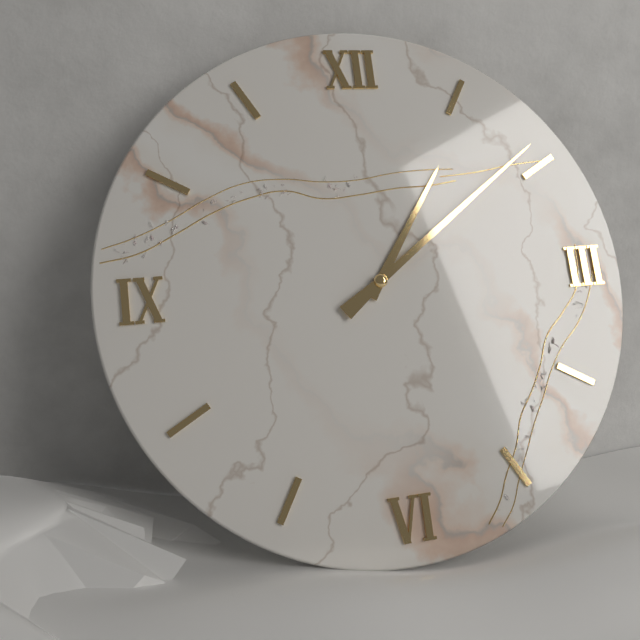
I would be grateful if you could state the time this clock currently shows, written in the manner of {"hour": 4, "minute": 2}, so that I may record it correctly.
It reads {"hour": 1, "minute": 9}
